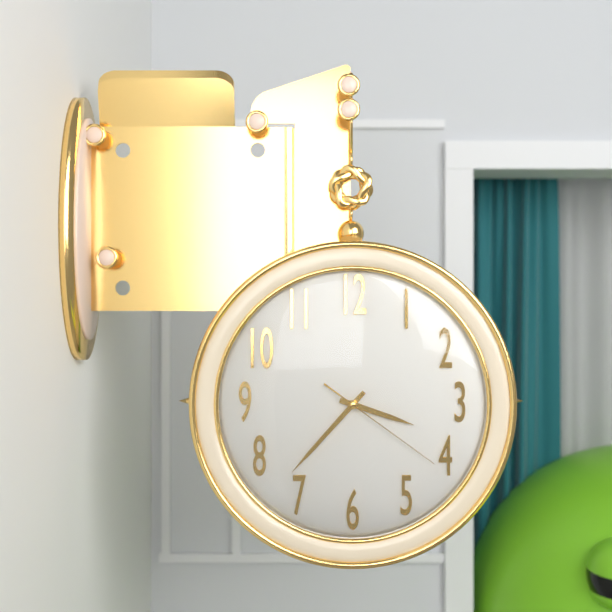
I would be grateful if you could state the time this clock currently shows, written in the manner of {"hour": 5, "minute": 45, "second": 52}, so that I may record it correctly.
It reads {"hour": 3, "minute": 37, "second": 21}
